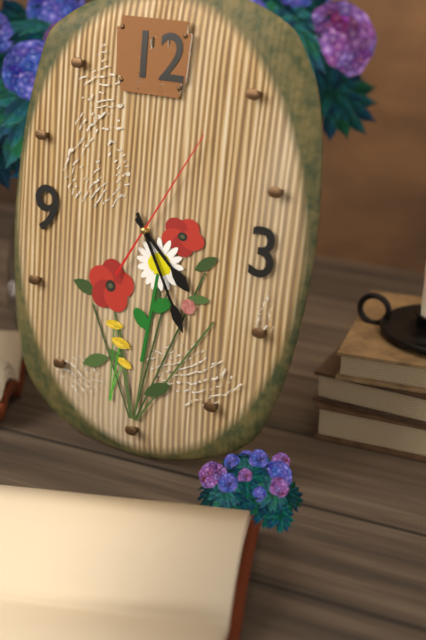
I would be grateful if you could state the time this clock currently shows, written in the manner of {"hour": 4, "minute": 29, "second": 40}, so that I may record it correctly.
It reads {"hour": 4, "minute": 25, "second": 5}
